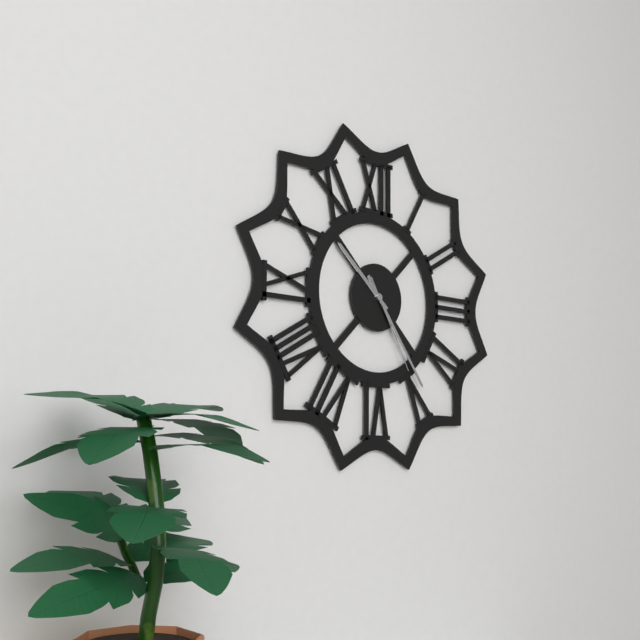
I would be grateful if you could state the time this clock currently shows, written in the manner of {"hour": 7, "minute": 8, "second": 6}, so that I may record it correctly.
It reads {"hour": 10, "minute": 24, "second": 25}
